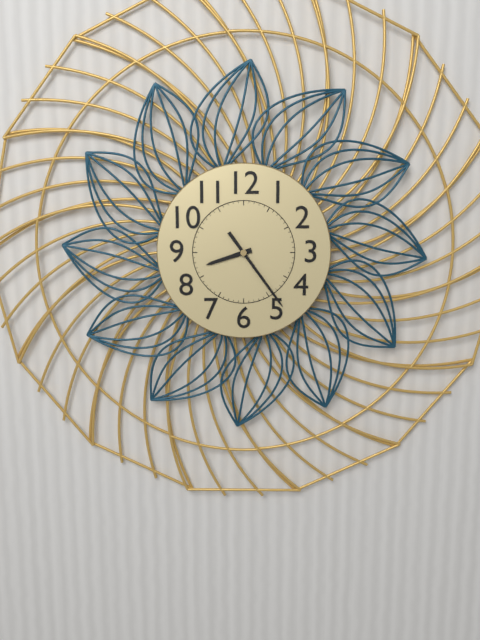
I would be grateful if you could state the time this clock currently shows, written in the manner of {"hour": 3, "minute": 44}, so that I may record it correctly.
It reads {"hour": 8, "minute": 24}
